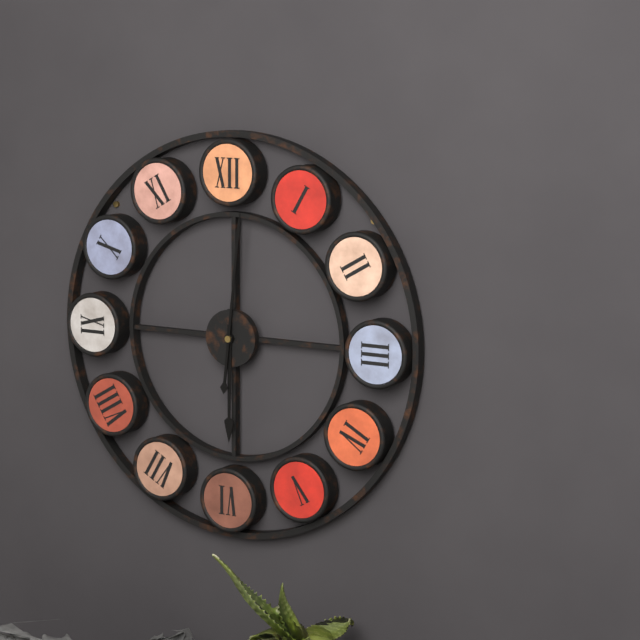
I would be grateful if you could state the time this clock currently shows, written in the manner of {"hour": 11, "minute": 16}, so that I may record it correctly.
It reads {"hour": 6, "minute": 1}
